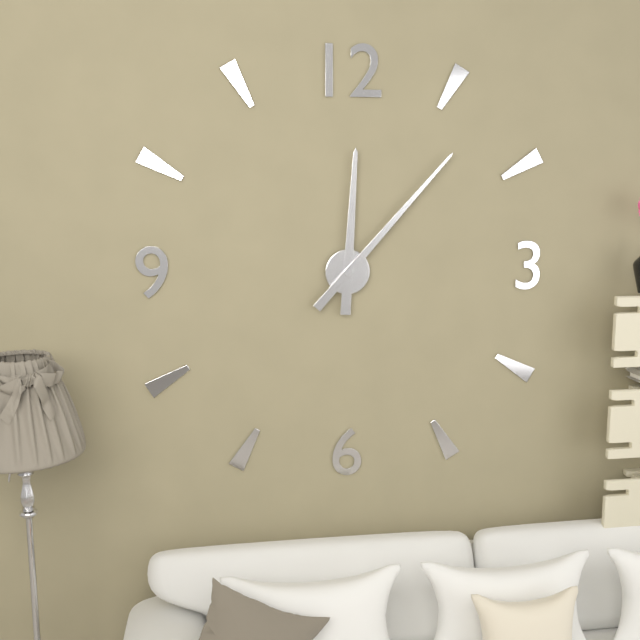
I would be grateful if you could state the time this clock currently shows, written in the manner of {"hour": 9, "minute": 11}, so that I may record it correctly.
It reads {"hour": 12, "minute": 7}
